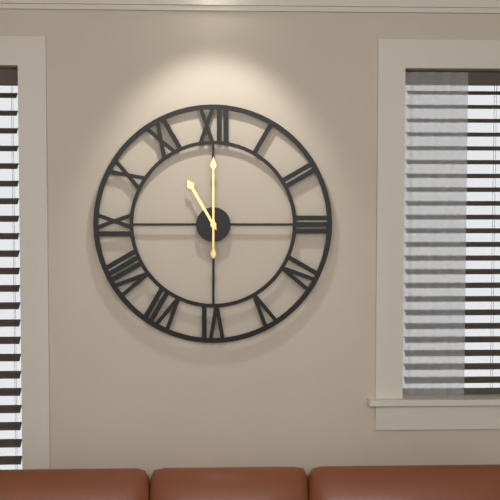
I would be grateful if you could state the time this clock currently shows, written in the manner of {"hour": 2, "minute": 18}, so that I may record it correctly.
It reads {"hour": 11, "minute": 0}
